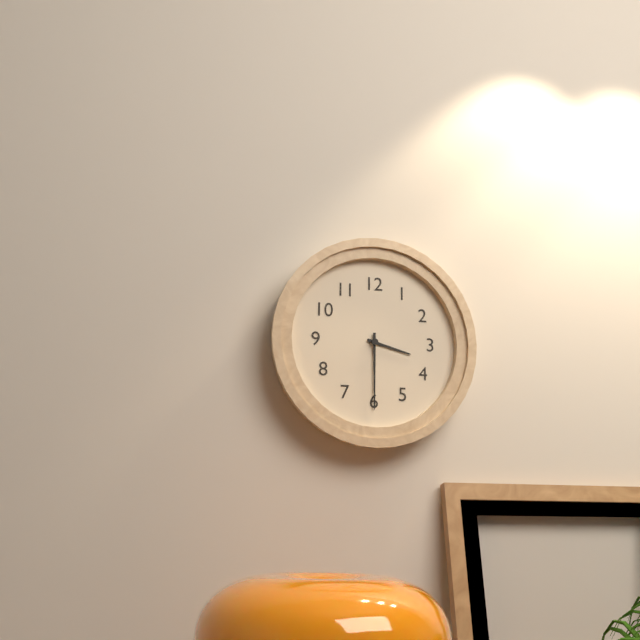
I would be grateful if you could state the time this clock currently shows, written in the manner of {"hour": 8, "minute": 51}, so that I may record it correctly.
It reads {"hour": 3, "minute": 30}
